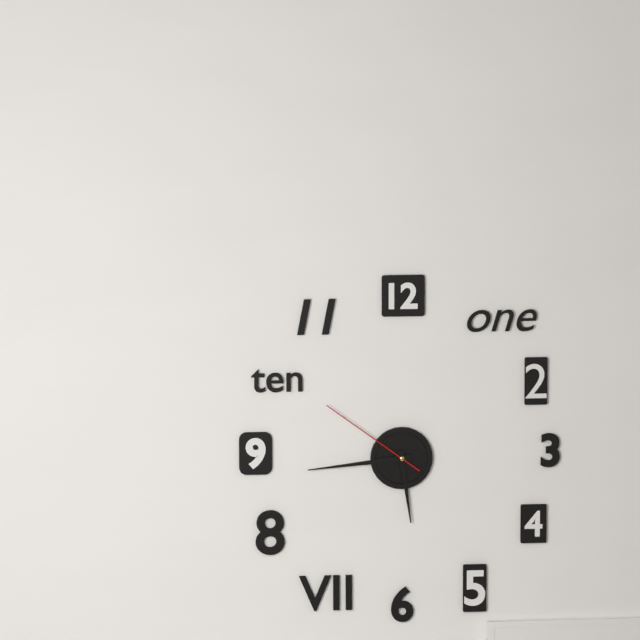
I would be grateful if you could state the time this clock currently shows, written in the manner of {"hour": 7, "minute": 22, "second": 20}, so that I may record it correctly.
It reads {"hour": 5, "minute": 44, "second": 51}
